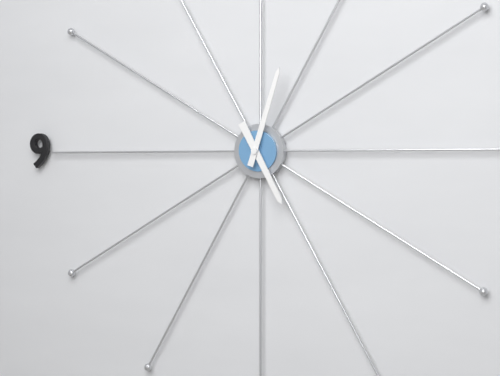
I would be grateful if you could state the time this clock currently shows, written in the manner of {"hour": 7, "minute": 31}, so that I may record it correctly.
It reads {"hour": 5, "minute": 3}
